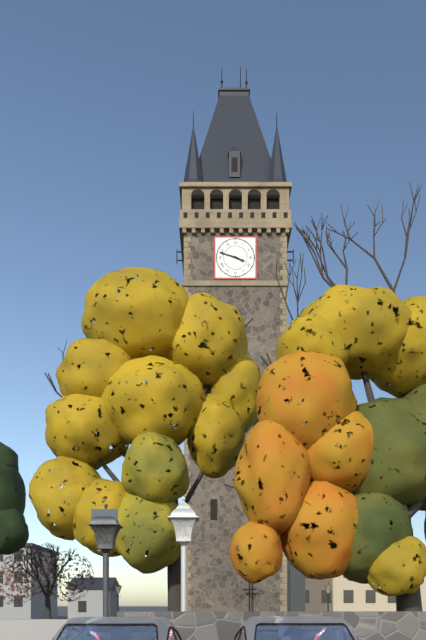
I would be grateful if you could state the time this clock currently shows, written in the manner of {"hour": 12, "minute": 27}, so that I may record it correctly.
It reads {"hour": 3, "minute": 48}
